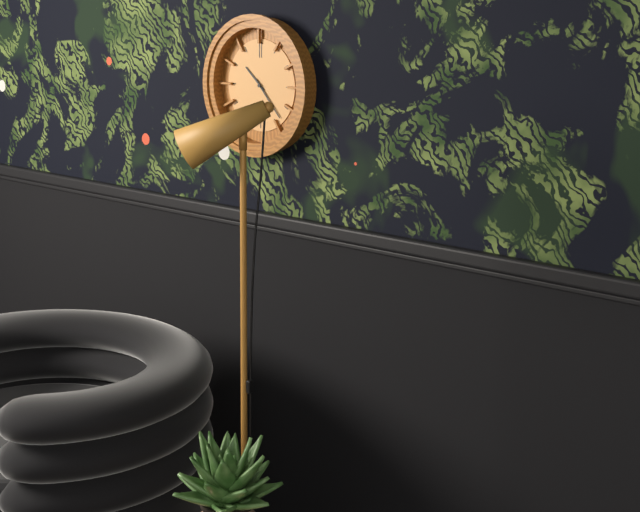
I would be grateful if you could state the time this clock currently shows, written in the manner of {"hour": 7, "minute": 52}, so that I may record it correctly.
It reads {"hour": 10, "minute": 23}
